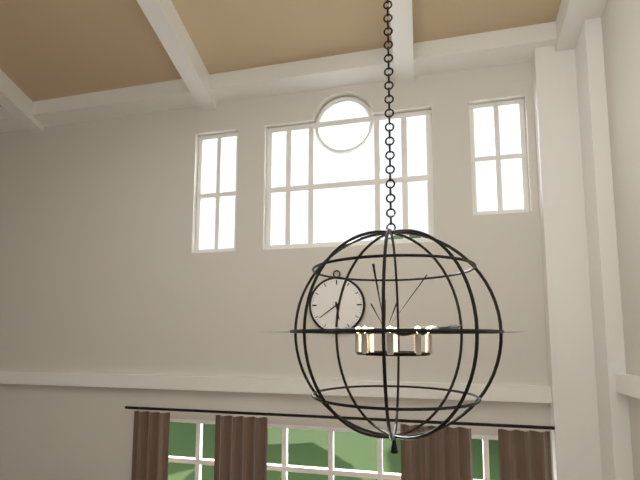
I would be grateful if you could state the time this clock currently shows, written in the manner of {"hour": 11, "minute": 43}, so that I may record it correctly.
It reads {"hour": 5, "minute": 39}
